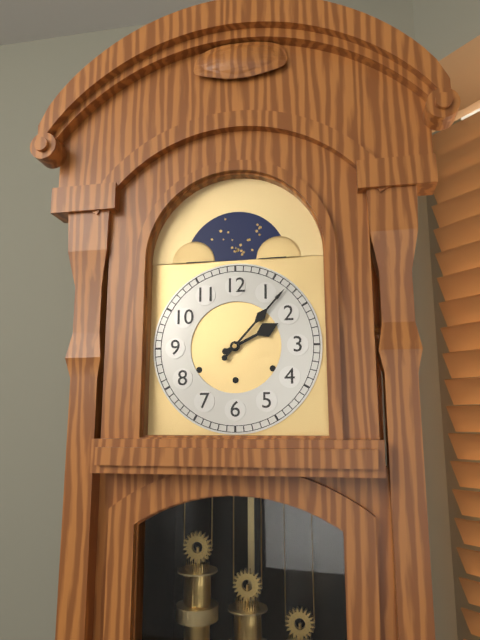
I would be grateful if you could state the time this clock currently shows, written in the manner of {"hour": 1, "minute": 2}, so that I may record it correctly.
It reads {"hour": 2, "minute": 7}
